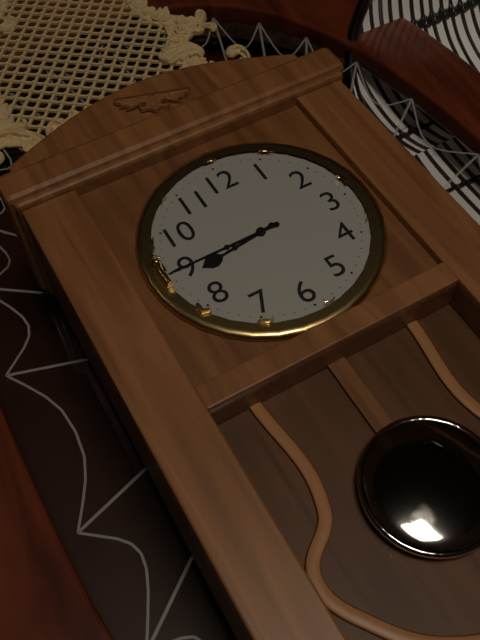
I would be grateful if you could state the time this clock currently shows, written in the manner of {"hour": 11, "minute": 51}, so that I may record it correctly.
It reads {"hour": 8, "minute": 45}
